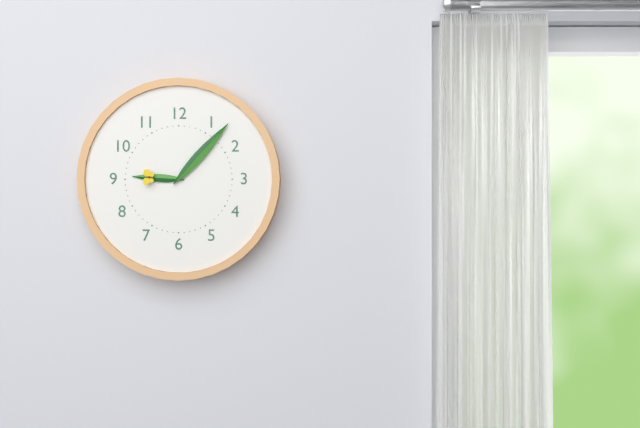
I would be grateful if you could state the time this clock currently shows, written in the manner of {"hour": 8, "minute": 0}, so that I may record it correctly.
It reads {"hour": 9, "minute": 7}
